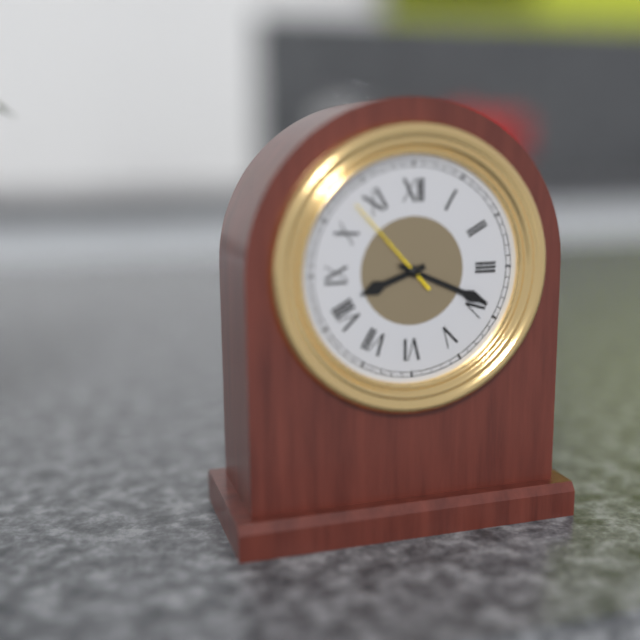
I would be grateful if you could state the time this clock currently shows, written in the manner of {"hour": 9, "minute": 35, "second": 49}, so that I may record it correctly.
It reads {"hour": 8, "minute": 19, "second": 53}
